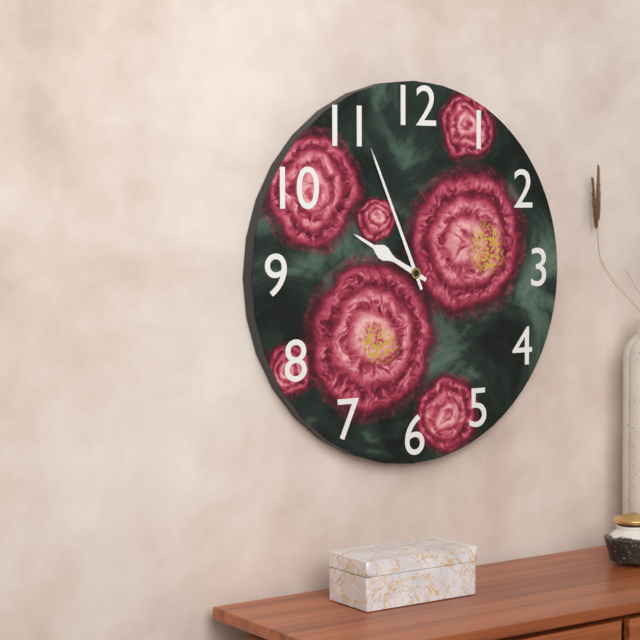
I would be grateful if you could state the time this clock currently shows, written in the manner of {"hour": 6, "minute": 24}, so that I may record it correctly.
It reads {"hour": 9, "minute": 56}
